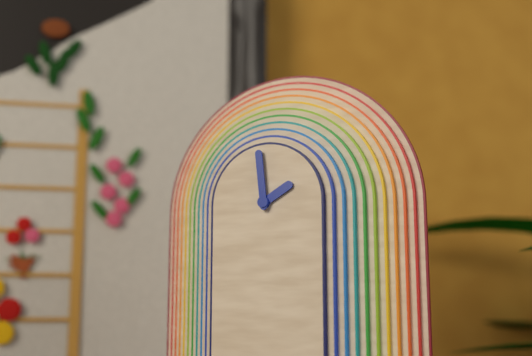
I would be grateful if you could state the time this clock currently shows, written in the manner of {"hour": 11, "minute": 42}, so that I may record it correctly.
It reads {"hour": 1, "minute": 59}
